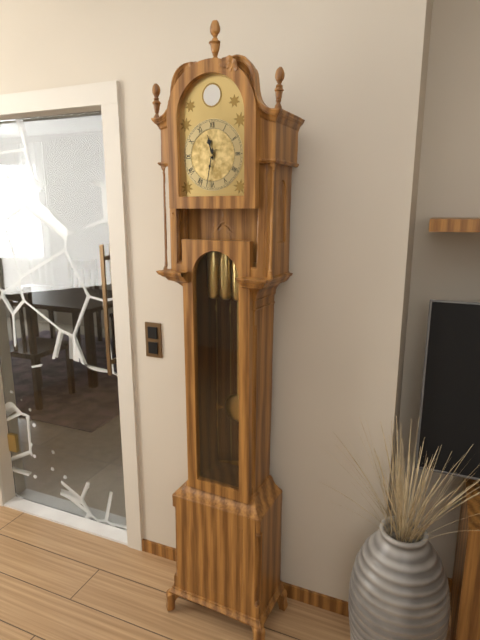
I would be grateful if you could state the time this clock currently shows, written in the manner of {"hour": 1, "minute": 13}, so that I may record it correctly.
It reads {"hour": 11, "minute": 32}
